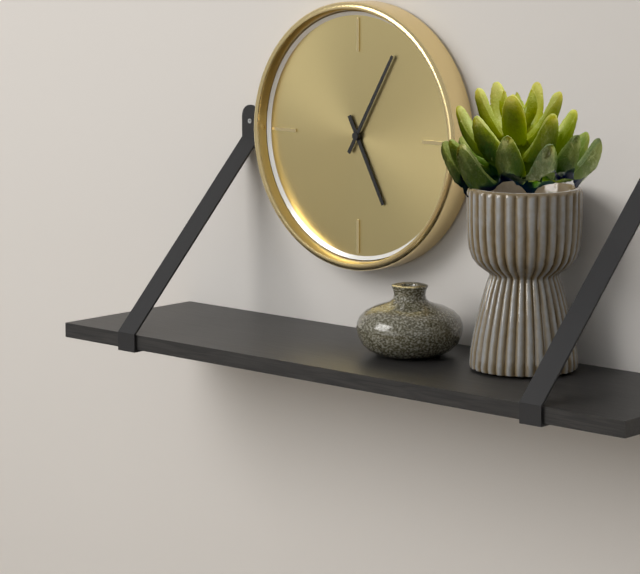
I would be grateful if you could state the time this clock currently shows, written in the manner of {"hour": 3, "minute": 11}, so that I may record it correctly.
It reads {"hour": 5, "minute": 5}
